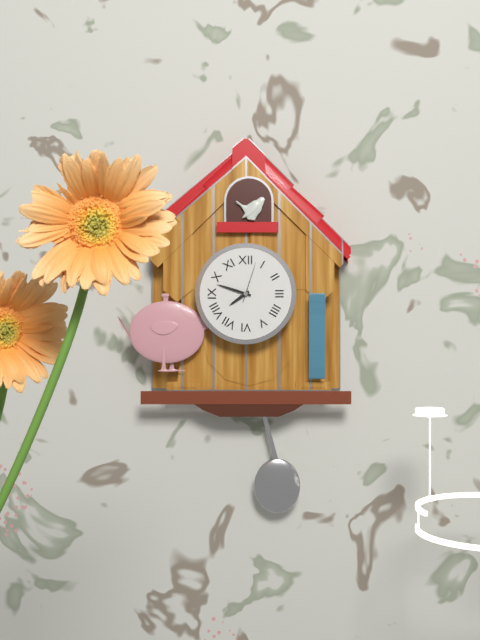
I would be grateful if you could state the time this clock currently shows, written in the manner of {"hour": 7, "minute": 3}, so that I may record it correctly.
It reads {"hour": 7, "minute": 48}
